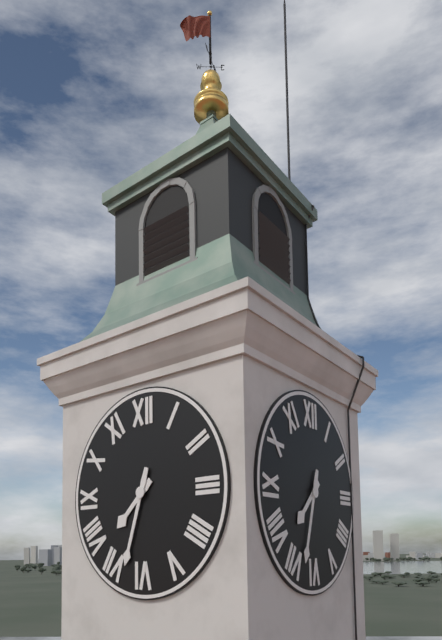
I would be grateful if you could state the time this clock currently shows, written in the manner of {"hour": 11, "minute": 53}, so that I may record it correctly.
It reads {"hour": 7, "minute": 33}
